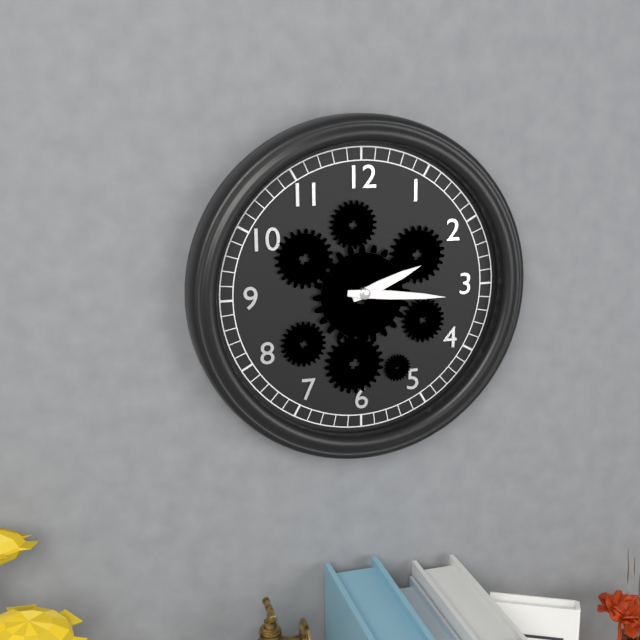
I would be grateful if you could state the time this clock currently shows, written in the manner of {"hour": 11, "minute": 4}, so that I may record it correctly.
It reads {"hour": 2, "minute": 16}
